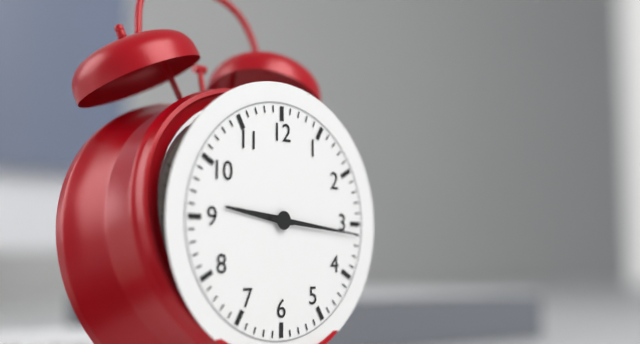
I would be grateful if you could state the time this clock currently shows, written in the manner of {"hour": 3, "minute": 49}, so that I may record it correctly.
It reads {"hour": 9, "minute": 16}
